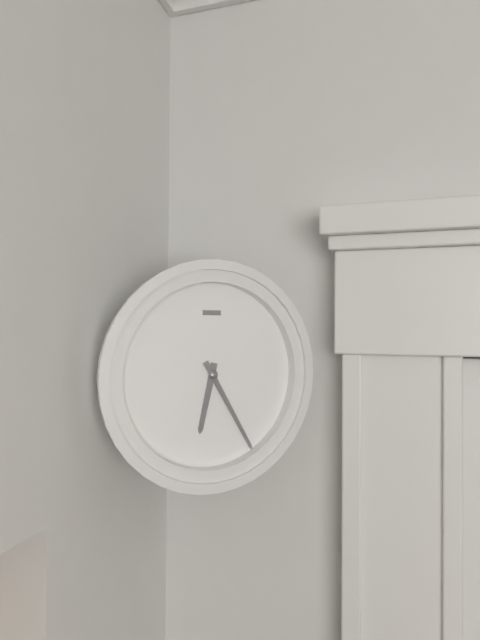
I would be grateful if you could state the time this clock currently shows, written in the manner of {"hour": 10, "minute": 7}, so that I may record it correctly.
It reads {"hour": 6, "minute": 25}
